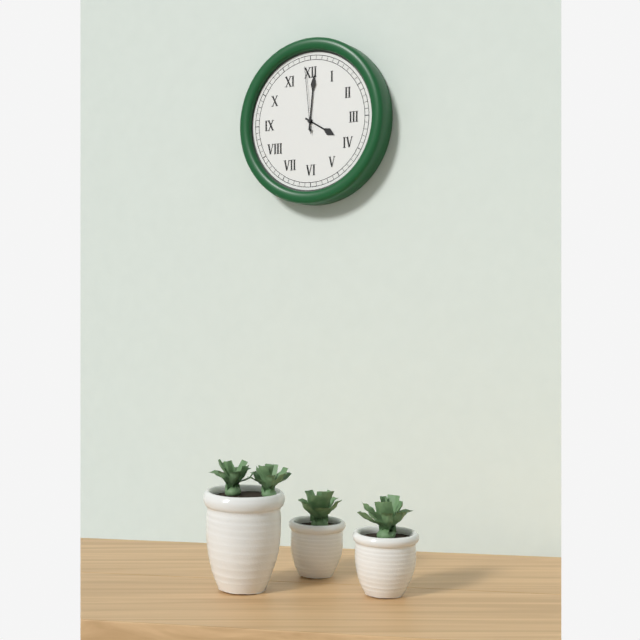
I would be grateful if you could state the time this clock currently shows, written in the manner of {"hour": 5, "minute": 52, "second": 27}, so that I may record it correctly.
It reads {"hour": 4, "minute": 1, "second": 59}
